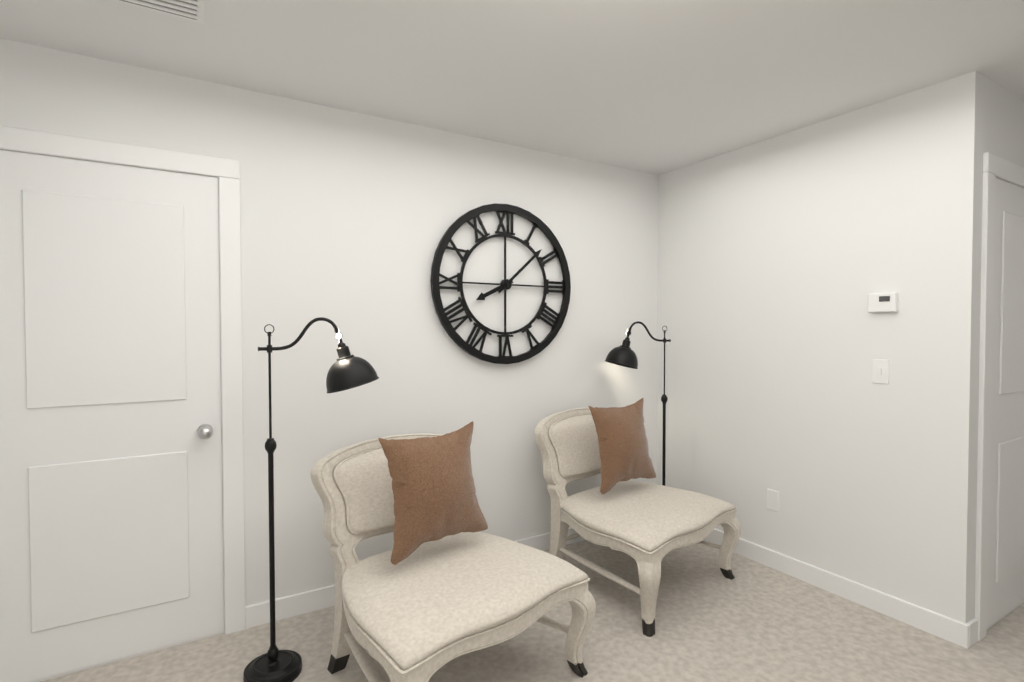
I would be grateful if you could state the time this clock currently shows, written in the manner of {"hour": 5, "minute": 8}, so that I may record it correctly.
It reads {"hour": 8, "minute": 8}
